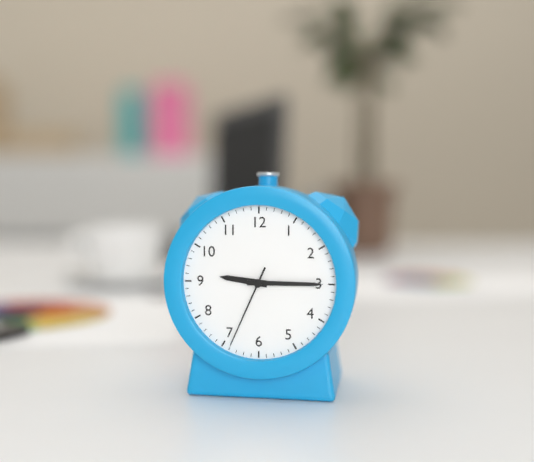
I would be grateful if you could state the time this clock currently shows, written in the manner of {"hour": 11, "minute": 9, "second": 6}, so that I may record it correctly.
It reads {"hour": 9, "minute": 15, "second": 34}
